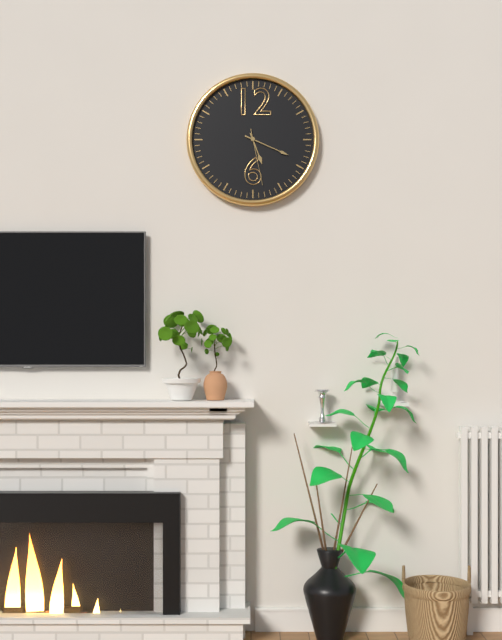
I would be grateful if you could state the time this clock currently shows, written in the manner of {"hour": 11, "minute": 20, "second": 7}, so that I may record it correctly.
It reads {"hour": 5, "minute": 19, "second": 28}
